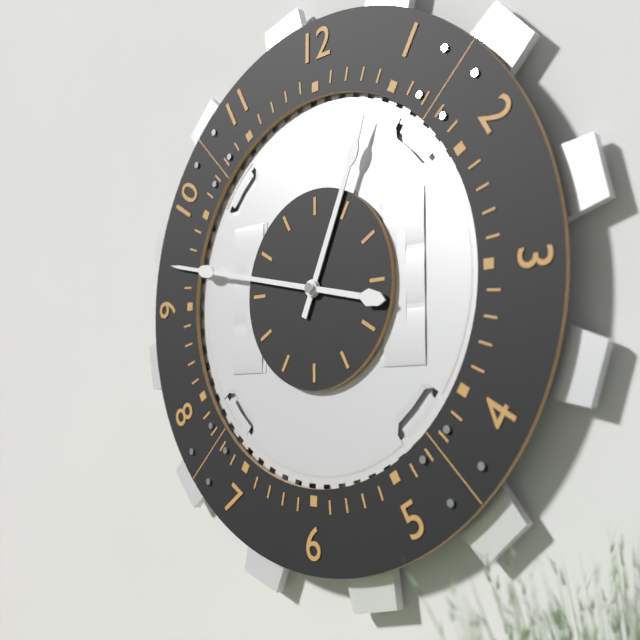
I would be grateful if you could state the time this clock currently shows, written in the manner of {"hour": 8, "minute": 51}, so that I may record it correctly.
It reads {"hour": 12, "minute": 47}
